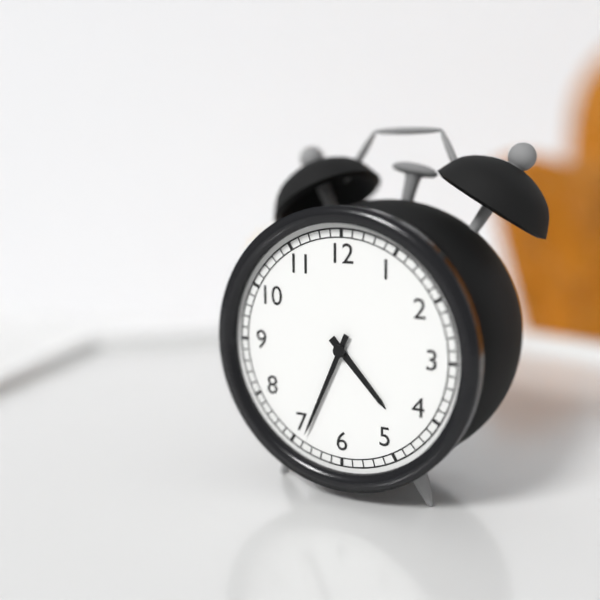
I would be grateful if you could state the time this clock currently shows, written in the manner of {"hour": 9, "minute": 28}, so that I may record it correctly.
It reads {"hour": 4, "minute": 34}
